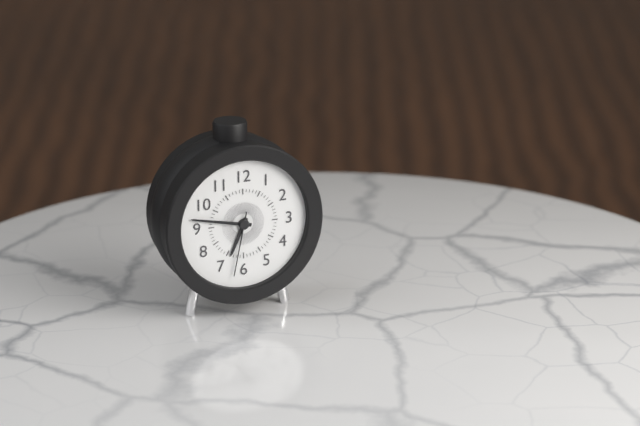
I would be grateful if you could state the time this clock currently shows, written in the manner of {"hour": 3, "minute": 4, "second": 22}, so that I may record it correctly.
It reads {"hour": 6, "minute": 47, "second": 32}
